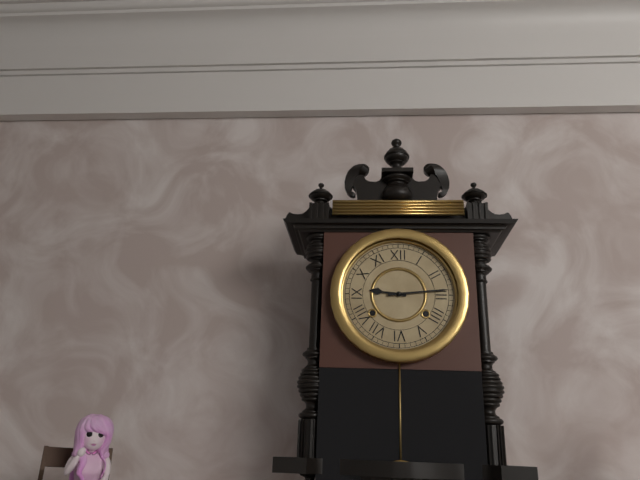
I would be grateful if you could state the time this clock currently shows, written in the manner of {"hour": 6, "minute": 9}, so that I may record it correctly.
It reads {"hour": 9, "minute": 14}
